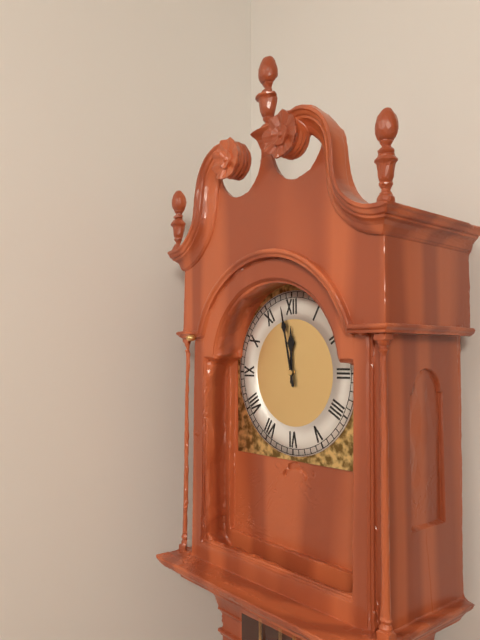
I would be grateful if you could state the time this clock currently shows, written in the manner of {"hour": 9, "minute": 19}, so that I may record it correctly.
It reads {"hour": 11, "minute": 58}
